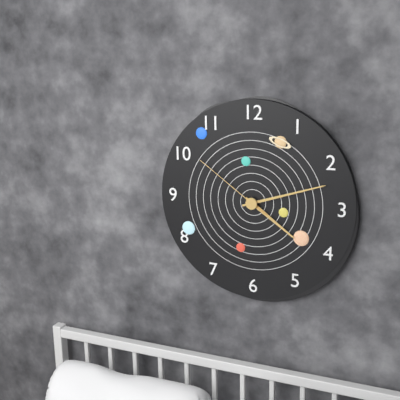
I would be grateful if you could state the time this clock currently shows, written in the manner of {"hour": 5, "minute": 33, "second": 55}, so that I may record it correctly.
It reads {"hour": 4, "minute": 12, "second": 51}
